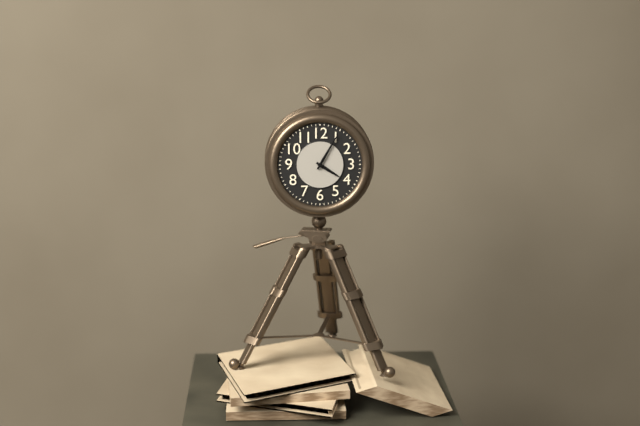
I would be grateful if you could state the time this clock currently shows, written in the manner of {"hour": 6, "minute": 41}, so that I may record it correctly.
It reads {"hour": 4, "minute": 5}
